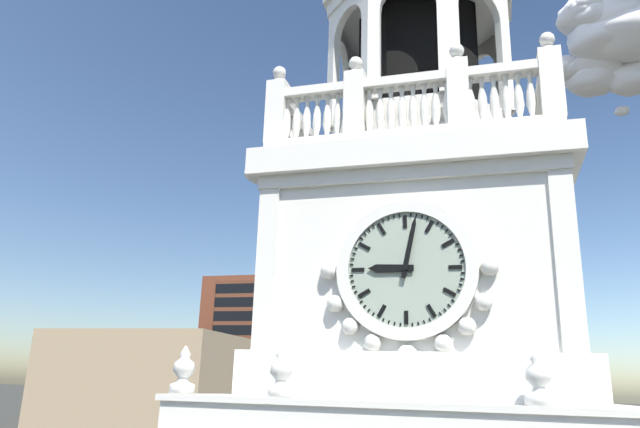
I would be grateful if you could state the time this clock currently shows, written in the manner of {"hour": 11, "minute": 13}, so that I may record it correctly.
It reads {"hour": 9, "minute": 2}
